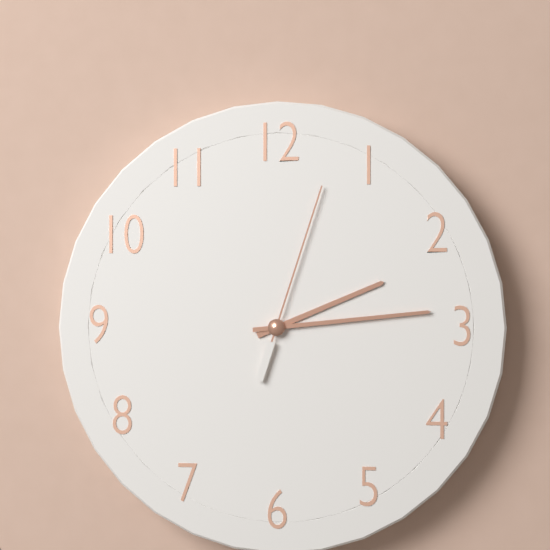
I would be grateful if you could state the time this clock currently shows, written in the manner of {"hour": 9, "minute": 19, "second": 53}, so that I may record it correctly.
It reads {"hour": 2, "minute": 14, "second": 3}
